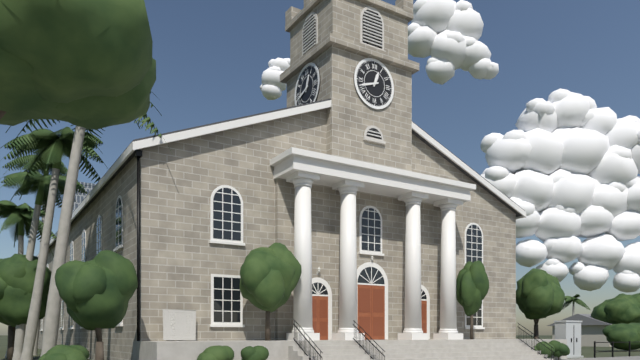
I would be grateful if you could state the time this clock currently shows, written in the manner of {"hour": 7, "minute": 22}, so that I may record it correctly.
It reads {"hour": 12, "minute": 42}
